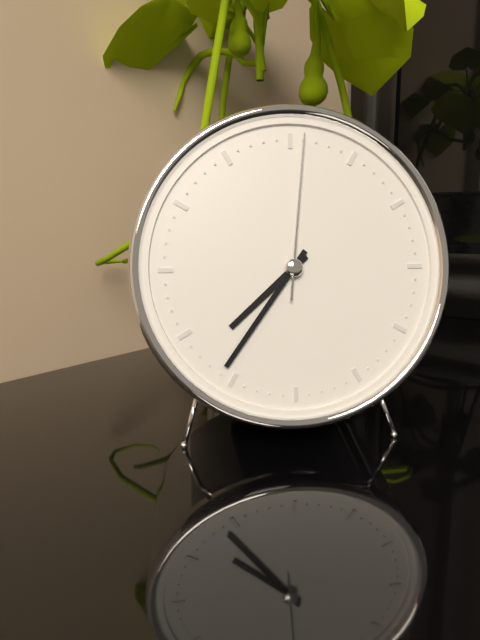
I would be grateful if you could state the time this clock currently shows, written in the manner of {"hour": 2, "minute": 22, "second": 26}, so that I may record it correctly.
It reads {"hour": 7, "minute": 36, "second": 1}
